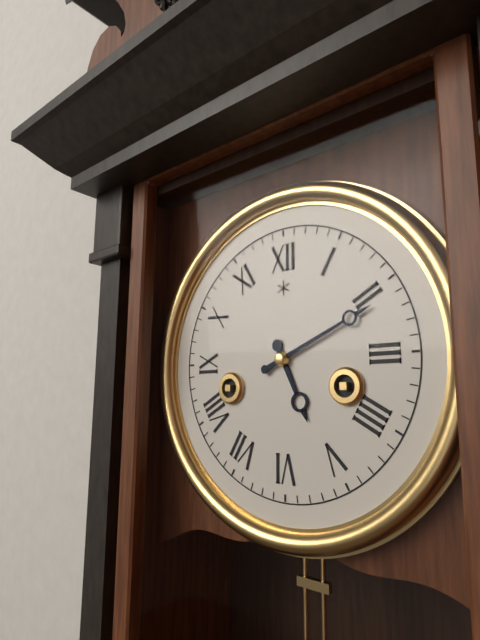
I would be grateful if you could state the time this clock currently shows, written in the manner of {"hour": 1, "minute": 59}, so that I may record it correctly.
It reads {"hour": 5, "minute": 11}
